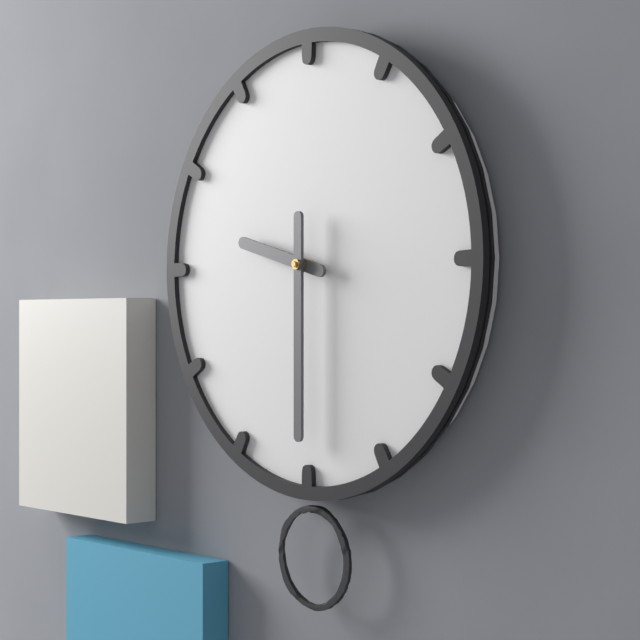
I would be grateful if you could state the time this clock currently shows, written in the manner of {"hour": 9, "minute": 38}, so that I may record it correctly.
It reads {"hour": 9, "minute": 30}
